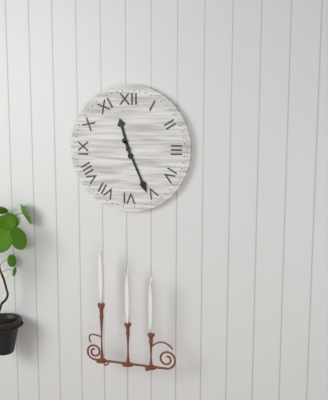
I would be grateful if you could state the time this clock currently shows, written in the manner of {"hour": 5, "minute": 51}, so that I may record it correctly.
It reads {"hour": 11, "minute": 26}
